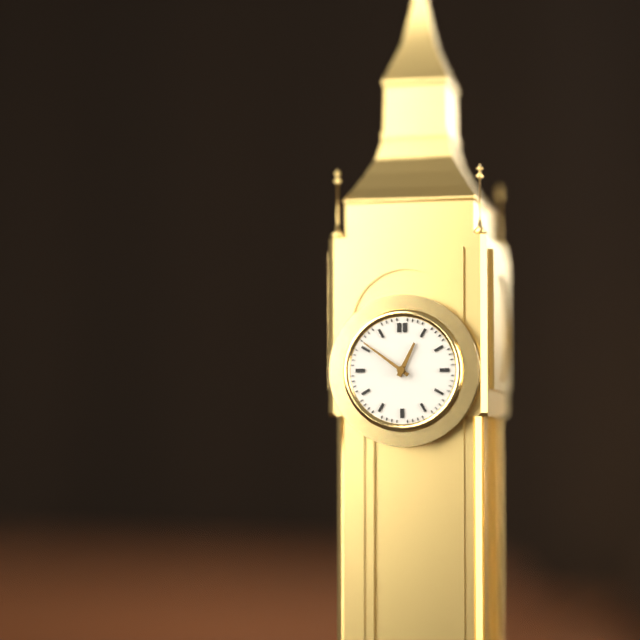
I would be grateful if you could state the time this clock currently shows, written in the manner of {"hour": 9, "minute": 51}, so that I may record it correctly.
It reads {"hour": 12, "minute": 51}
